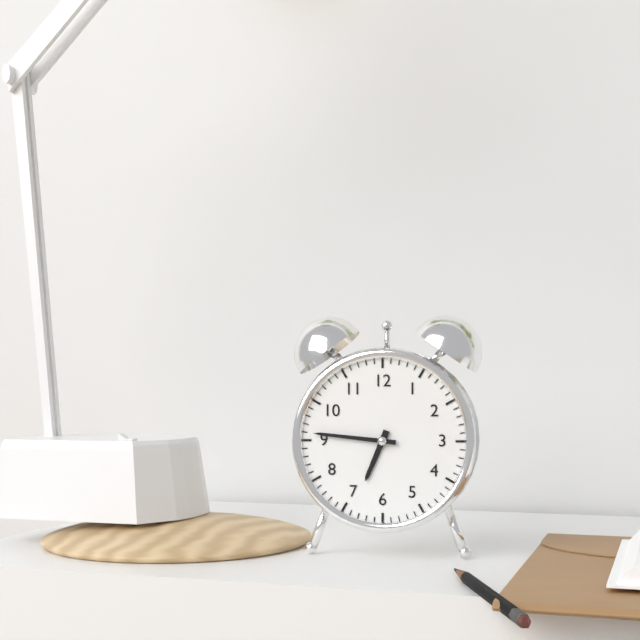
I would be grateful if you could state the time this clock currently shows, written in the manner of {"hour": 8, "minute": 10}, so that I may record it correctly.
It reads {"hour": 6, "minute": 46}
